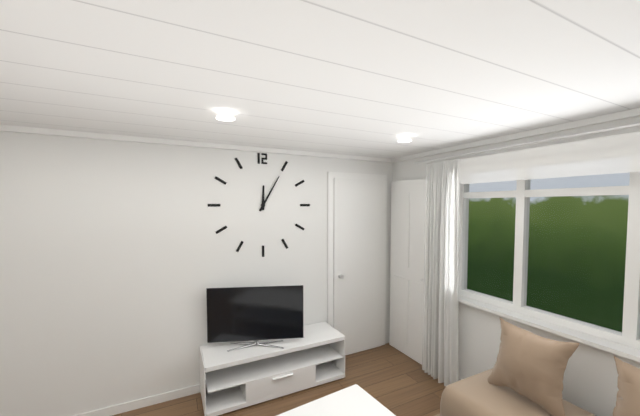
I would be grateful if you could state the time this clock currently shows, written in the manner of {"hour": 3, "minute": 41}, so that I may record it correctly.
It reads {"hour": 12, "minute": 5}
